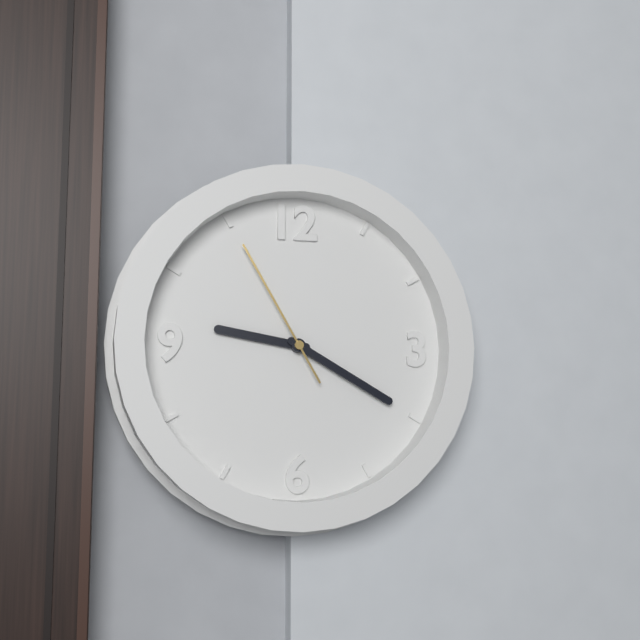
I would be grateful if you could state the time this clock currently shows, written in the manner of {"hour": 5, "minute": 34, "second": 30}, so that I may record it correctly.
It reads {"hour": 9, "minute": 20, "second": 55}
